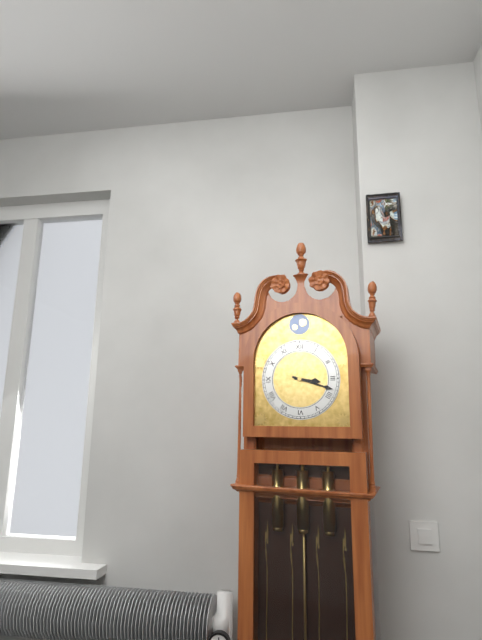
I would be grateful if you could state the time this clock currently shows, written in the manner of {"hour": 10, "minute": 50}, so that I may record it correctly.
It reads {"hour": 3, "minute": 18}
